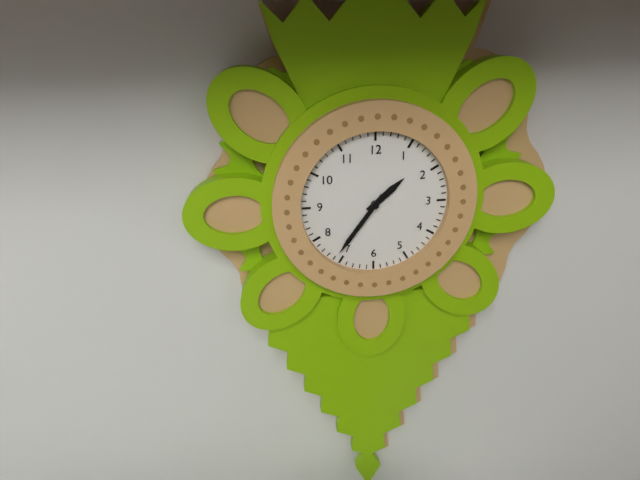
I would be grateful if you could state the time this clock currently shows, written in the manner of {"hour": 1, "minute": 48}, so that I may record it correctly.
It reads {"hour": 1, "minute": 36}
